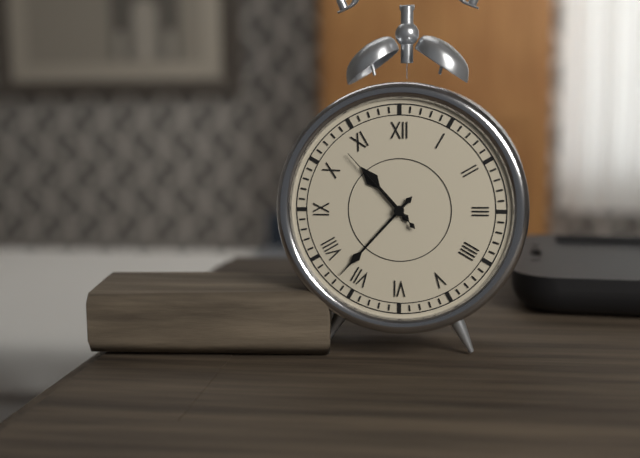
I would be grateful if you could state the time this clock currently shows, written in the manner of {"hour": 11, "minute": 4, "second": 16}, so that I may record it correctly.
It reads {"hour": 10, "minute": 37, "second": 53}
